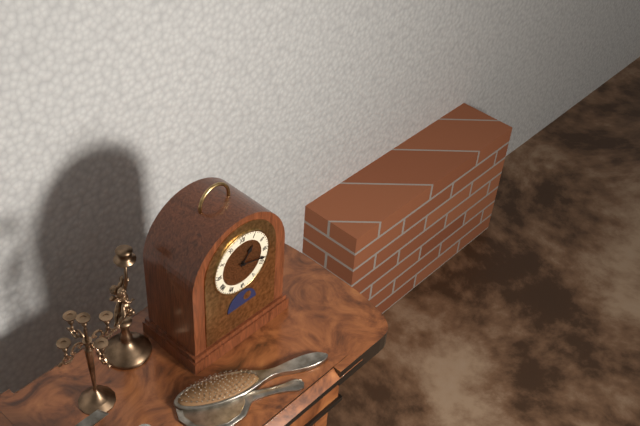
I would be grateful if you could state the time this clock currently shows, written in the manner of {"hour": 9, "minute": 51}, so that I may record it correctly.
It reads {"hour": 1, "minute": 18}
